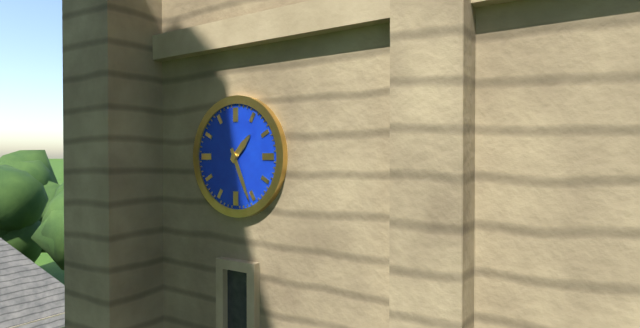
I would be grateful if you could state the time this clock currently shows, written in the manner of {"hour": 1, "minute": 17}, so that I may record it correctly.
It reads {"hour": 1, "minute": 26}
